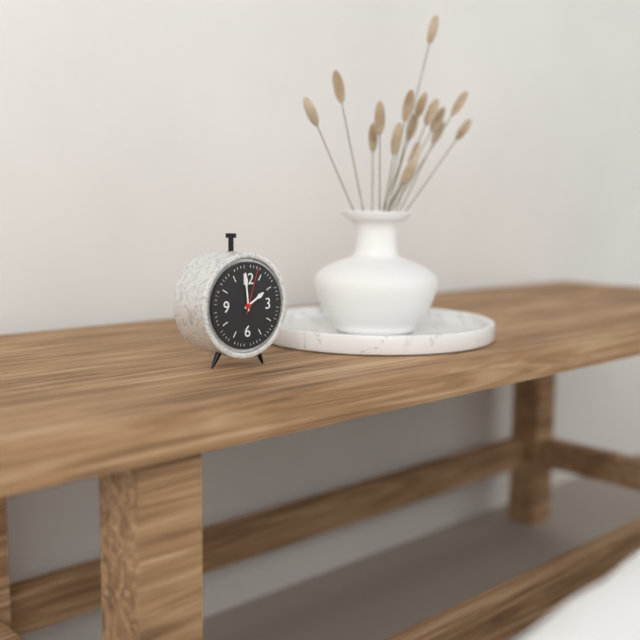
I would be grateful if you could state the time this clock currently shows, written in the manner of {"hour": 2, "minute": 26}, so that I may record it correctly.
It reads {"hour": 1, "minute": 59}
